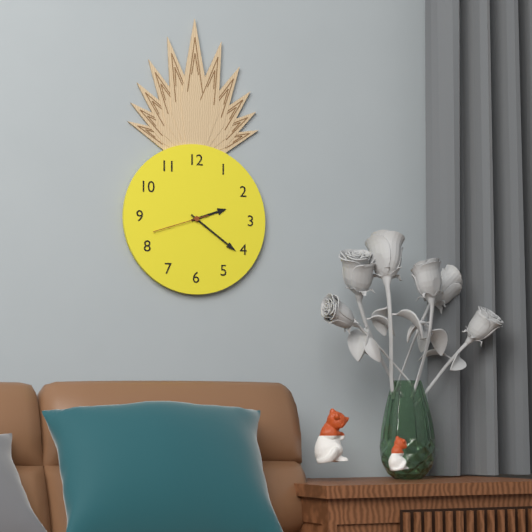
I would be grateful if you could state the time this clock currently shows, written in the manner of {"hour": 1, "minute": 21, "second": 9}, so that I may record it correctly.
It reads {"hour": 2, "minute": 21, "second": 42}
